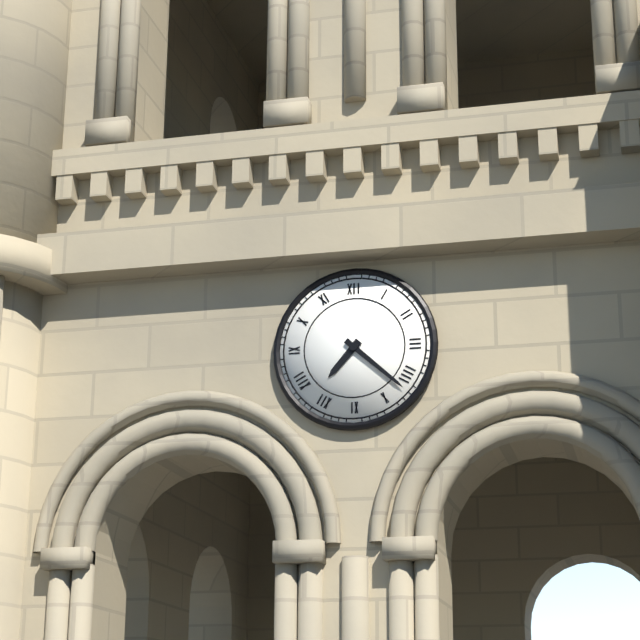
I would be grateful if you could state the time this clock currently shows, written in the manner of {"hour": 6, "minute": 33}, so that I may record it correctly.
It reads {"hour": 7, "minute": 22}
